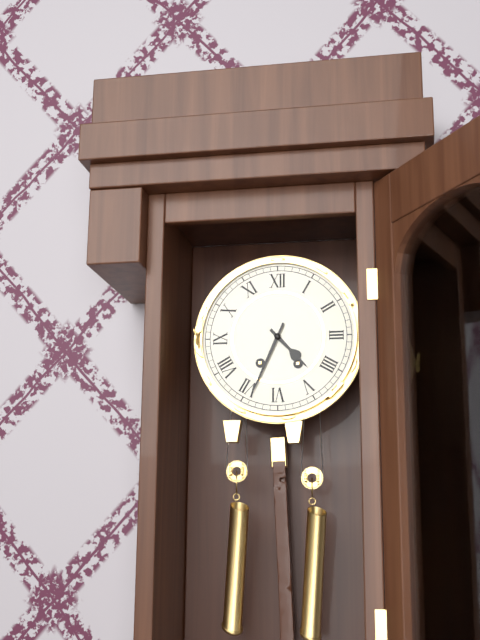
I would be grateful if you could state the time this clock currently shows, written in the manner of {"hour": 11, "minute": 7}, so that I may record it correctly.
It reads {"hour": 4, "minute": 34}
